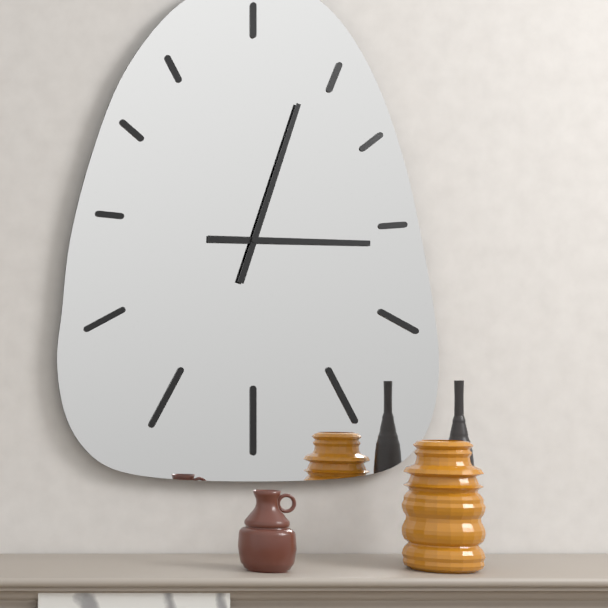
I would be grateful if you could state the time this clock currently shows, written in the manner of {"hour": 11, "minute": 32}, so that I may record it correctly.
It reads {"hour": 3, "minute": 3}
